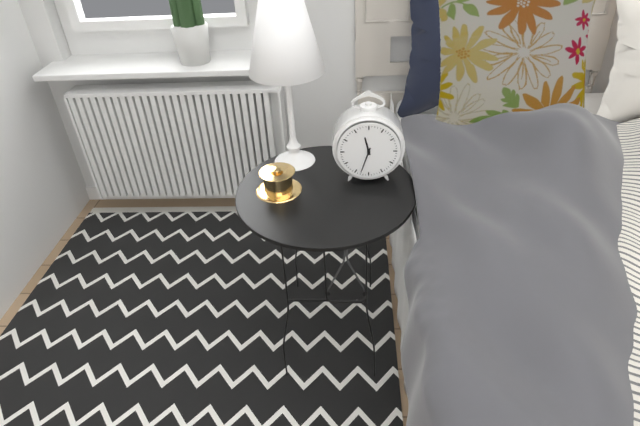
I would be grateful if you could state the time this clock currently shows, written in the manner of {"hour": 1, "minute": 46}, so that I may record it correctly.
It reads {"hour": 11, "minute": 33}
